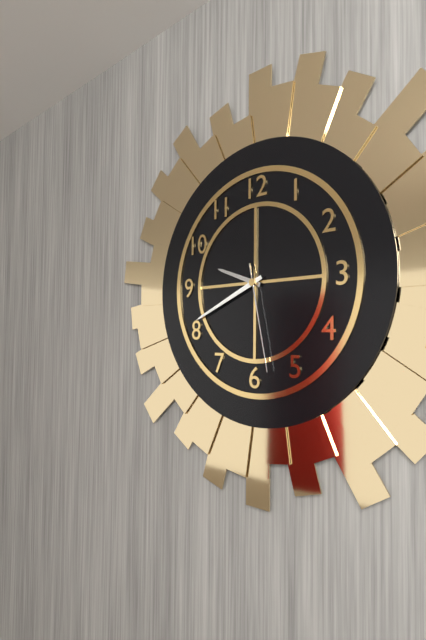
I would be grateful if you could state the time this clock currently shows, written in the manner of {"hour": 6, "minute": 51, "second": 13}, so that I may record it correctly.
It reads {"hour": 9, "minute": 41, "second": 28}
